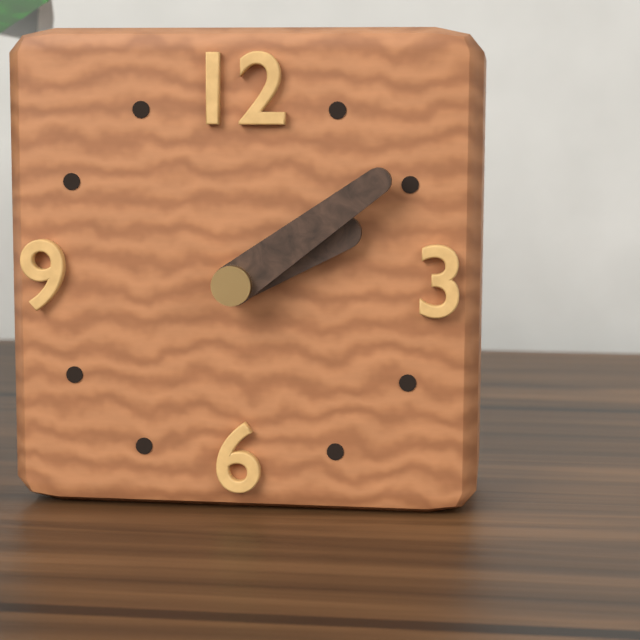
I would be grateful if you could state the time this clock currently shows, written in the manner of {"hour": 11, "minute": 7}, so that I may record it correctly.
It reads {"hour": 2, "minute": 9}
